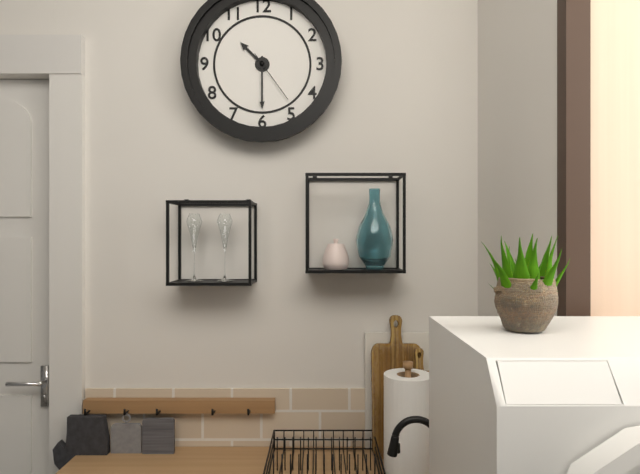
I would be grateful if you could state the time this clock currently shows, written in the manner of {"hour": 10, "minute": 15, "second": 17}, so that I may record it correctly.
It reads {"hour": 10, "minute": 30, "second": 24}
